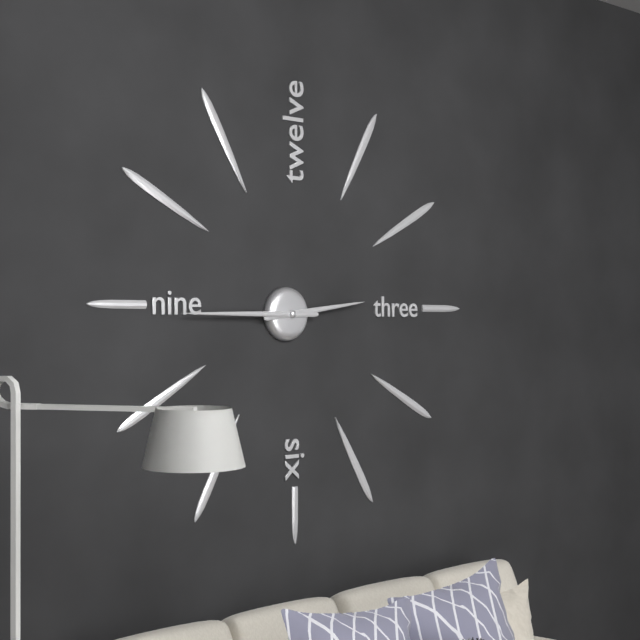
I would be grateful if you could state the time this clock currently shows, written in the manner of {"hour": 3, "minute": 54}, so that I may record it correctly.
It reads {"hour": 2, "minute": 45}
